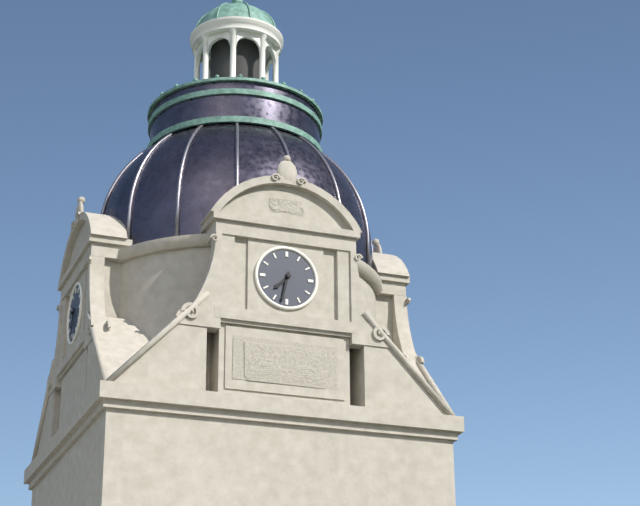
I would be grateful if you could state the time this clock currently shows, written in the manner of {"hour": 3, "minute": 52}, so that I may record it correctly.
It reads {"hour": 7, "minute": 32}
